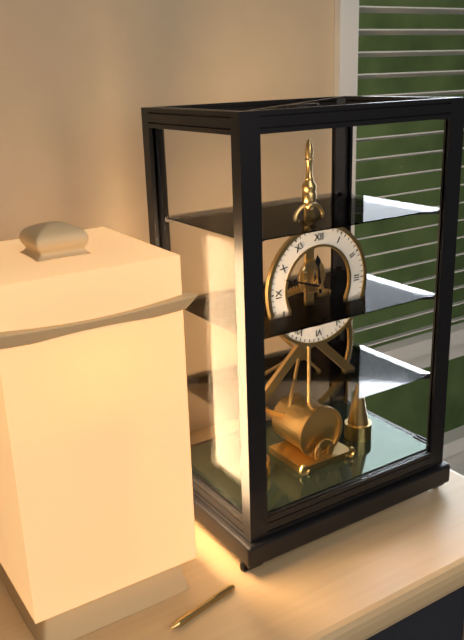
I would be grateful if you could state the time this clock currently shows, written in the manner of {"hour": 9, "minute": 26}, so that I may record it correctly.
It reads {"hour": 11, "minute": 48}
